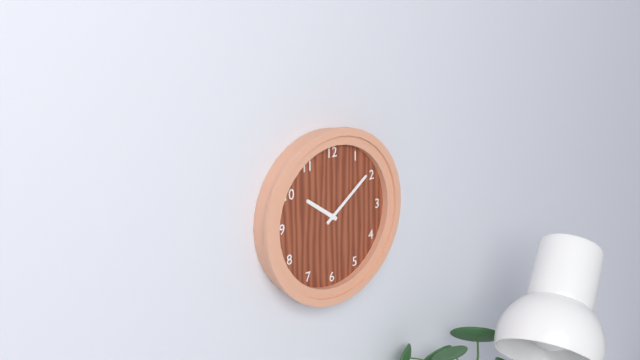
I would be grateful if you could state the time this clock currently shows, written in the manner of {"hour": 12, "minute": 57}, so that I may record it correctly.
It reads {"hour": 10, "minute": 9}
